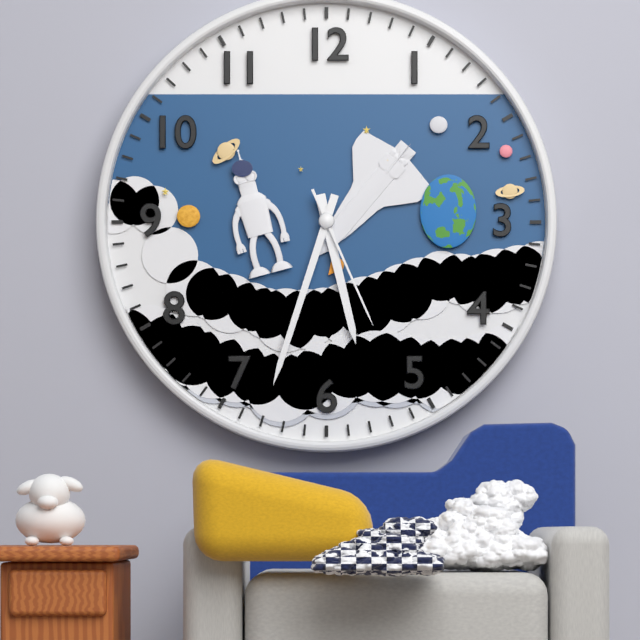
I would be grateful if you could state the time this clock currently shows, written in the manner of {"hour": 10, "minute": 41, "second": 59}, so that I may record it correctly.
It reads {"hour": 5, "minute": 33, "second": 26}
